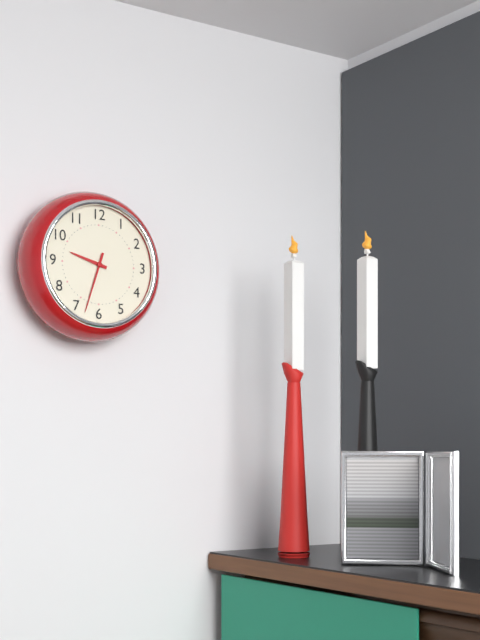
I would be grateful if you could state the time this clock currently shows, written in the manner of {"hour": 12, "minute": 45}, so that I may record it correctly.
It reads {"hour": 9, "minute": 33}
